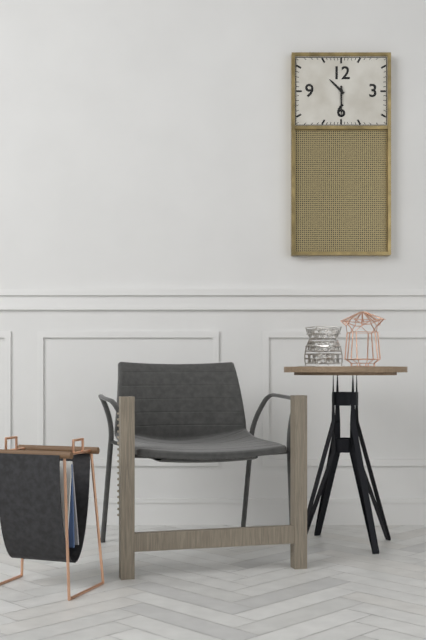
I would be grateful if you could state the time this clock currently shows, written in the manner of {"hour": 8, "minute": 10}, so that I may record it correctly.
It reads {"hour": 10, "minute": 30}
